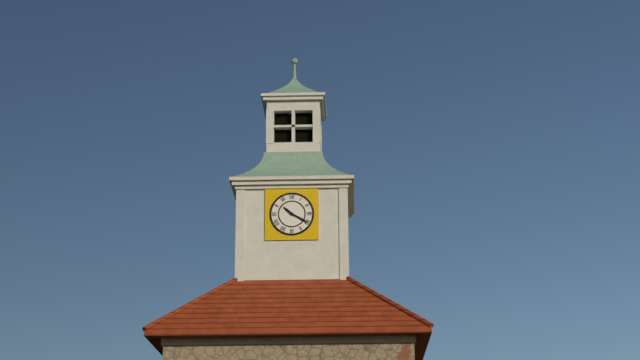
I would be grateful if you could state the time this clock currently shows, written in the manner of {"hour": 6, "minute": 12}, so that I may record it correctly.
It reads {"hour": 10, "minute": 20}
